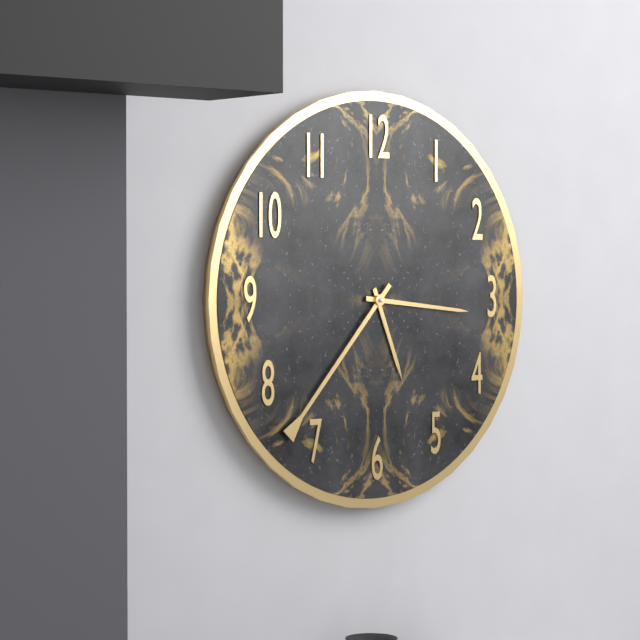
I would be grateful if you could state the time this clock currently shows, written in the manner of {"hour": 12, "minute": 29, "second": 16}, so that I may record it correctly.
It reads {"hour": 5, "minute": 16, "second": 37}
